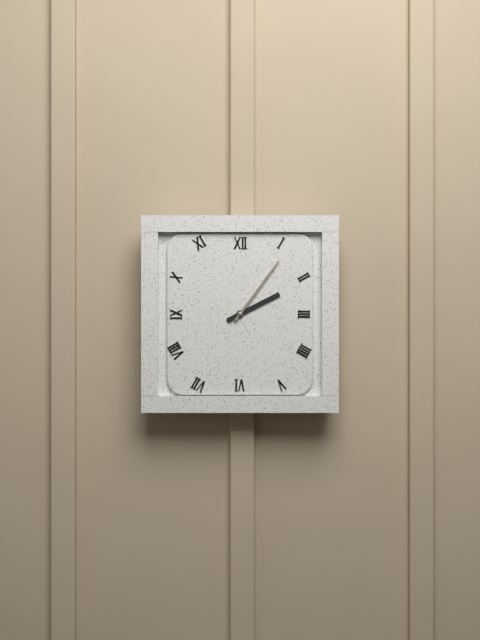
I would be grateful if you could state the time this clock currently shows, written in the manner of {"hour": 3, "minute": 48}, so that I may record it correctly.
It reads {"hour": 2, "minute": 6}
